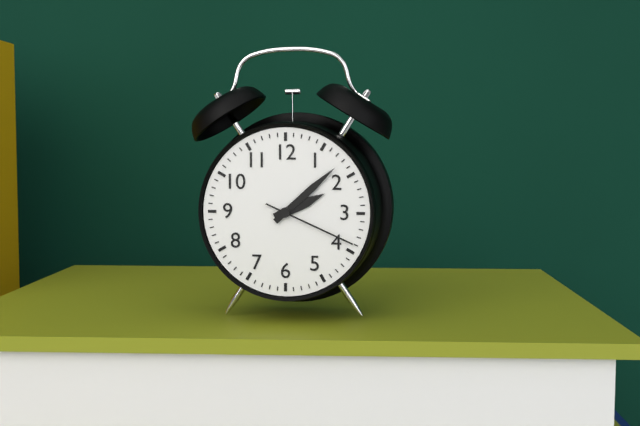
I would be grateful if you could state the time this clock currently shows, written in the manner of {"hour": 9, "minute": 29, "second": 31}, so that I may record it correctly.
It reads {"hour": 2, "minute": 8, "second": 19}
